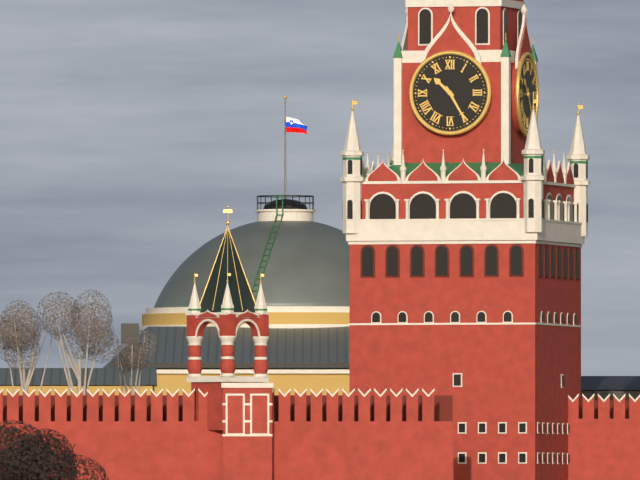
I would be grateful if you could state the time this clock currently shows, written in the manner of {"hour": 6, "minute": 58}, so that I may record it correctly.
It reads {"hour": 10, "minute": 25}
